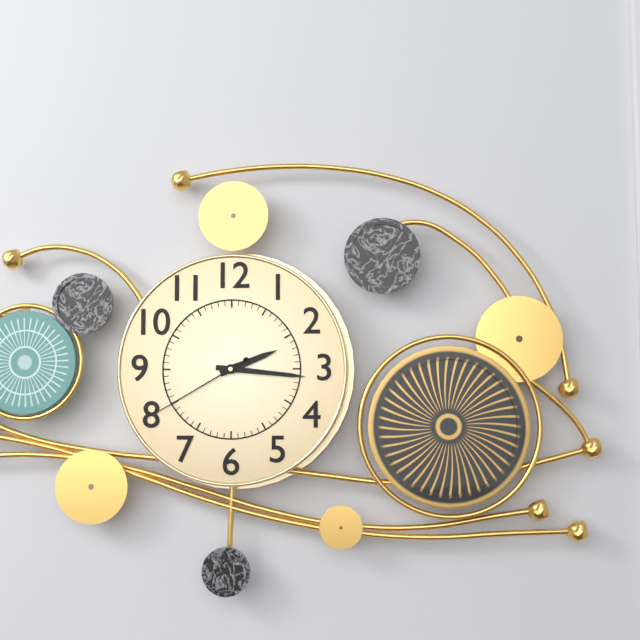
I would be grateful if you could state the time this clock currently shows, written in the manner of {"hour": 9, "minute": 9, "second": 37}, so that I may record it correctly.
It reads {"hour": 2, "minute": 16, "second": 40}
